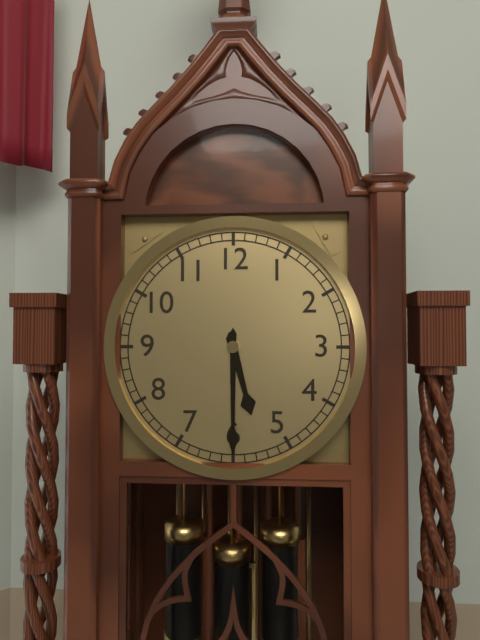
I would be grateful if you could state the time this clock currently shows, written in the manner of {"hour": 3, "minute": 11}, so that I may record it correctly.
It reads {"hour": 5, "minute": 30}
